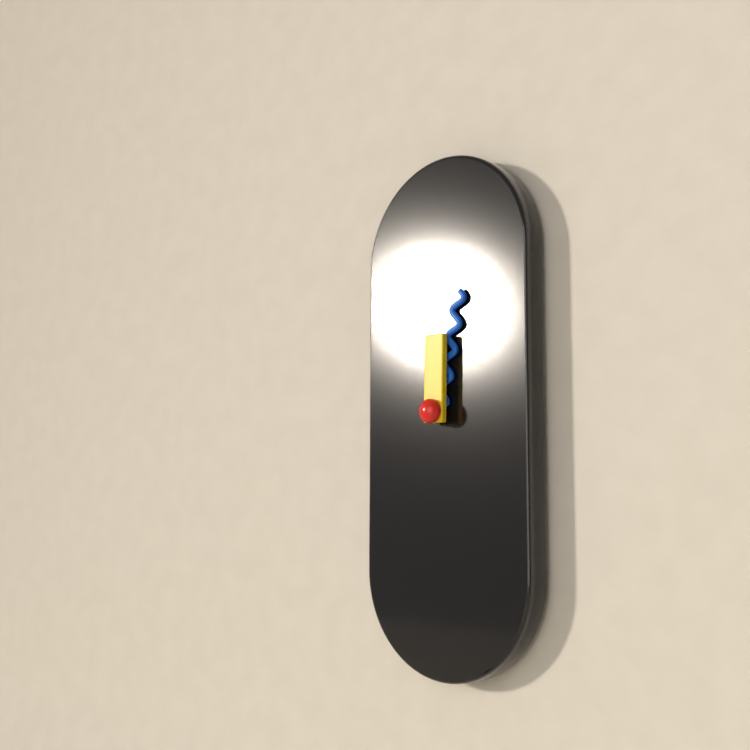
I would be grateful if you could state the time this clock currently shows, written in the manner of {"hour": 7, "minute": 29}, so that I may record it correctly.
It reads {"hour": 12, "minute": 2}
